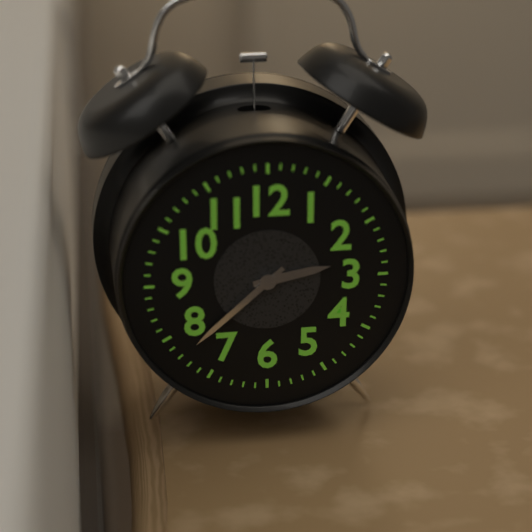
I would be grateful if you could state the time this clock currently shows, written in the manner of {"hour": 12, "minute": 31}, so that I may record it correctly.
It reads {"hour": 2, "minute": 38}
